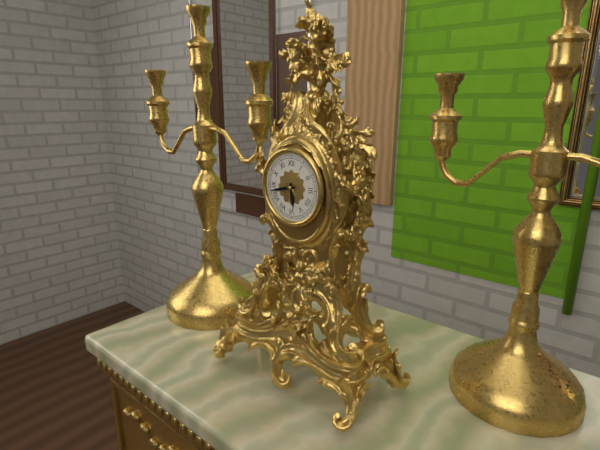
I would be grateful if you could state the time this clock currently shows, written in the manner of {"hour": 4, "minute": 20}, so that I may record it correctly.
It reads {"hour": 5, "minute": 43}
